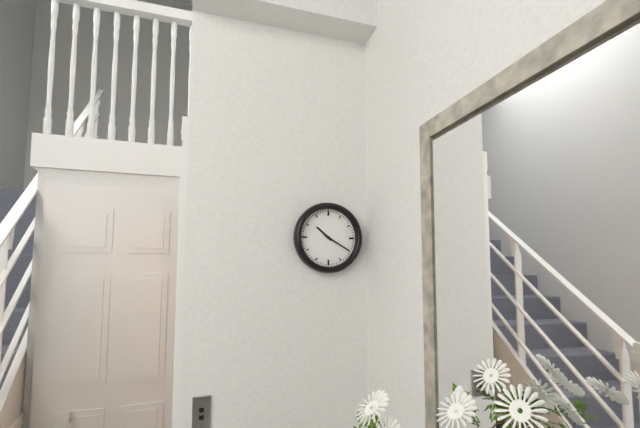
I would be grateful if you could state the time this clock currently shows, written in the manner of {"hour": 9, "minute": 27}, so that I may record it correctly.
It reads {"hour": 10, "minute": 20}
